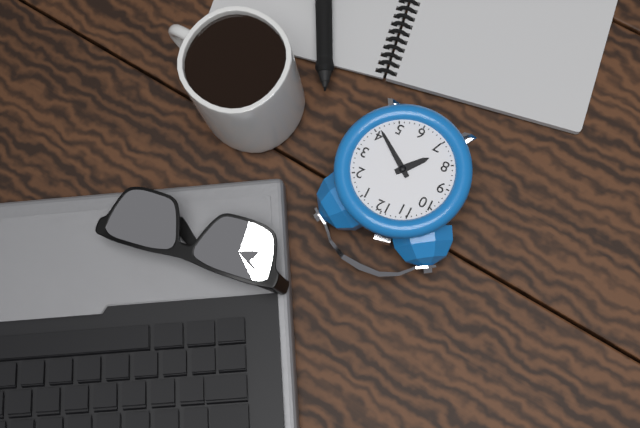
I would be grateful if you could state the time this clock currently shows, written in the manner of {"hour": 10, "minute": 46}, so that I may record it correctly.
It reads {"hour": 7, "minute": 21}
